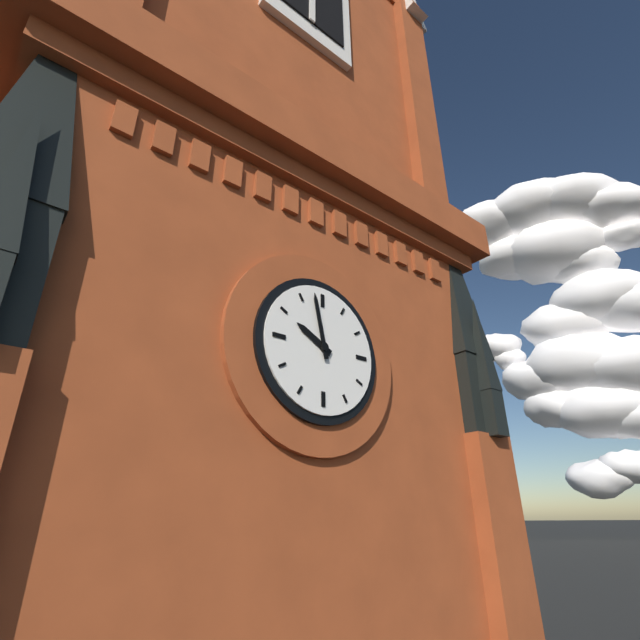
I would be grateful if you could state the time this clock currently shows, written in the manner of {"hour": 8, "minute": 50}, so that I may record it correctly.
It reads {"hour": 9, "minute": 58}
